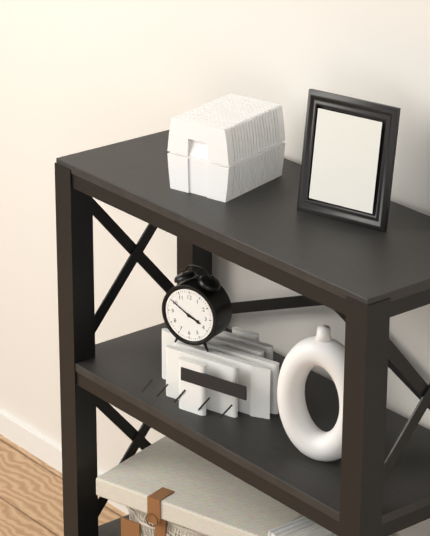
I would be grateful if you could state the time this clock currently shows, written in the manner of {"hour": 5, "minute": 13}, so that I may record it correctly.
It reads {"hour": 3, "minute": 50}
